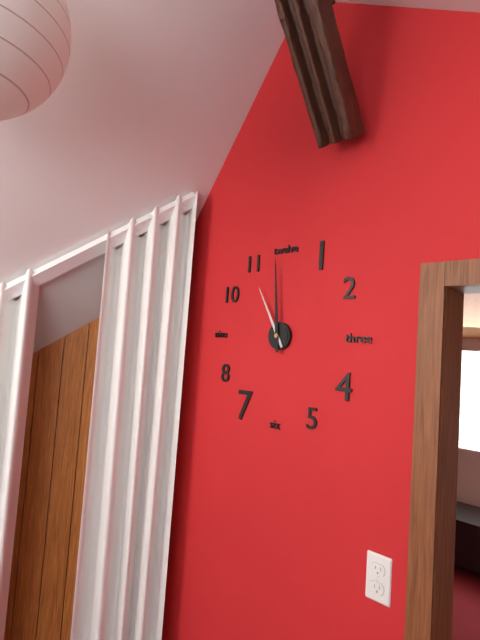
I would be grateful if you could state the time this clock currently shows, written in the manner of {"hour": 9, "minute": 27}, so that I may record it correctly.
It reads {"hour": 10, "minute": 59}
